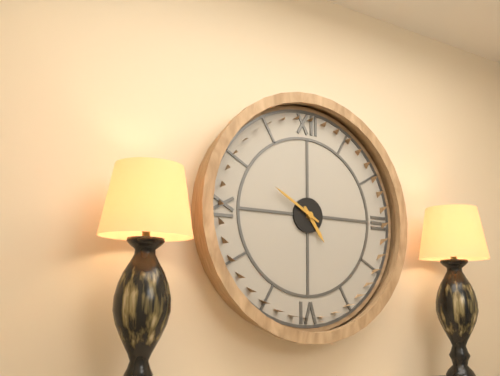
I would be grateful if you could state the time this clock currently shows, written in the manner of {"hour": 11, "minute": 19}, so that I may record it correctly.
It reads {"hour": 4, "minute": 50}
